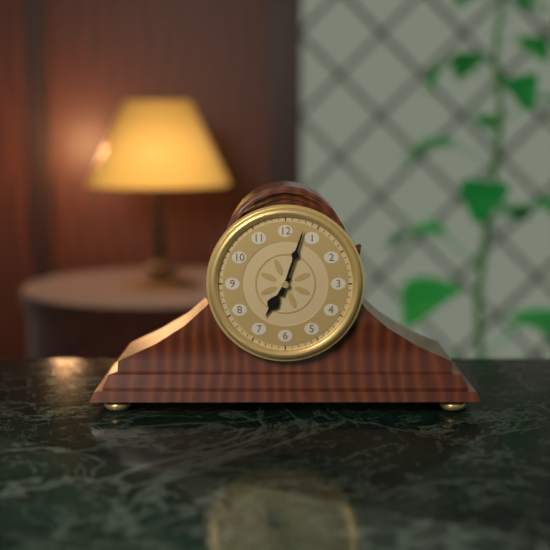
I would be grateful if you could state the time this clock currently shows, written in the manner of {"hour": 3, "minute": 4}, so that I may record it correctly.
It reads {"hour": 7, "minute": 3}
